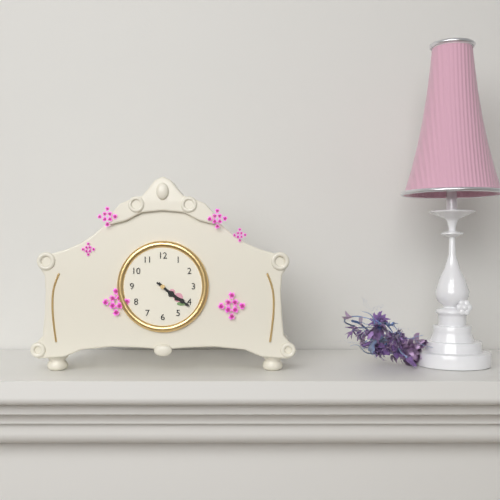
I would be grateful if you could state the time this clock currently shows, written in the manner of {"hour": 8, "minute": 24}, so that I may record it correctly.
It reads {"hour": 4, "minute": 21}
